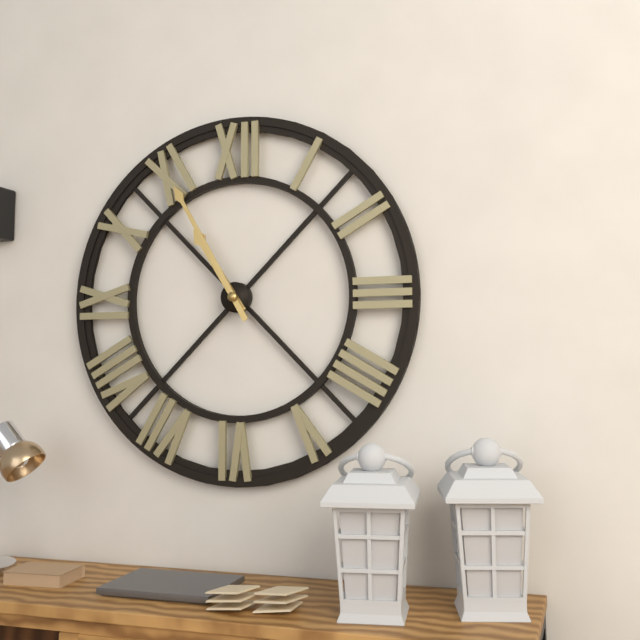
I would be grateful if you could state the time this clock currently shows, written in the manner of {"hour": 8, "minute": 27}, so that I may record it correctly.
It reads {"hour": 10, "minute": 55}
